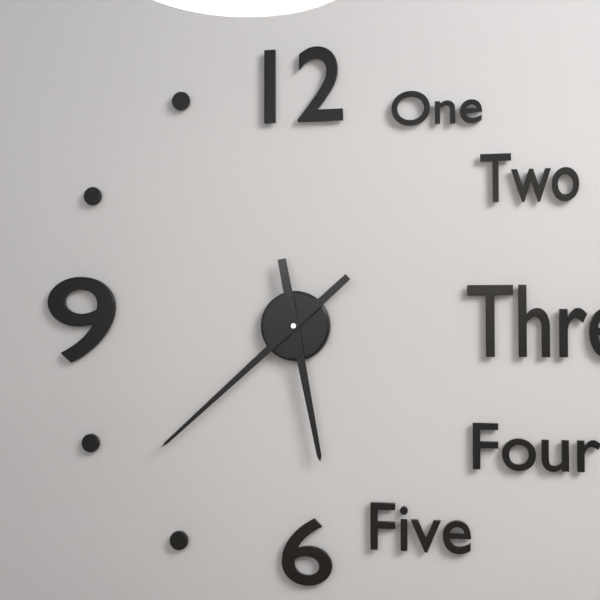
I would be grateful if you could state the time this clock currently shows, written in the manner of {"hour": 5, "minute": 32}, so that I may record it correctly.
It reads {"hour": 5, "minute": 38}
